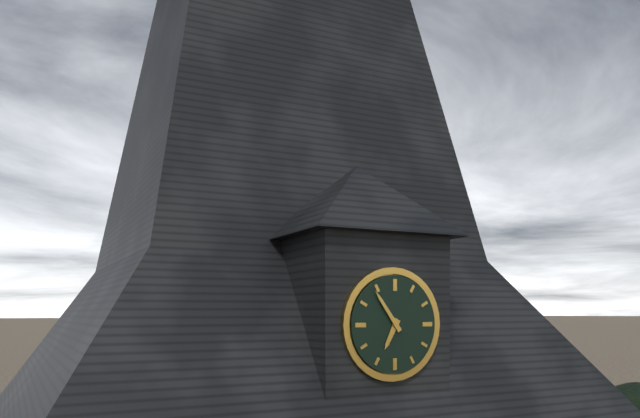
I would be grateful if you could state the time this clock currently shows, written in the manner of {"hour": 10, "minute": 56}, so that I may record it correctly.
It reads {"hour": 6, "minute": 54}
